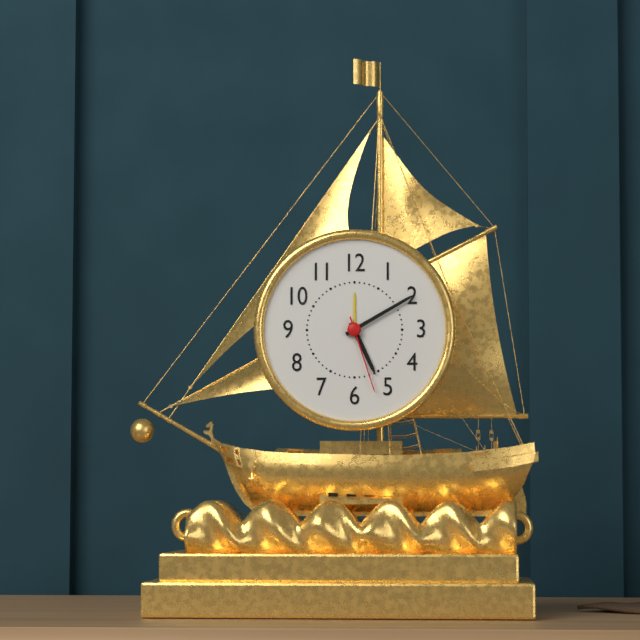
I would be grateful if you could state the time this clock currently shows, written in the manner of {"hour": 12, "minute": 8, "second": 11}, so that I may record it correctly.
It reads {"hour": 5, "minute": 10, "second": 27}
